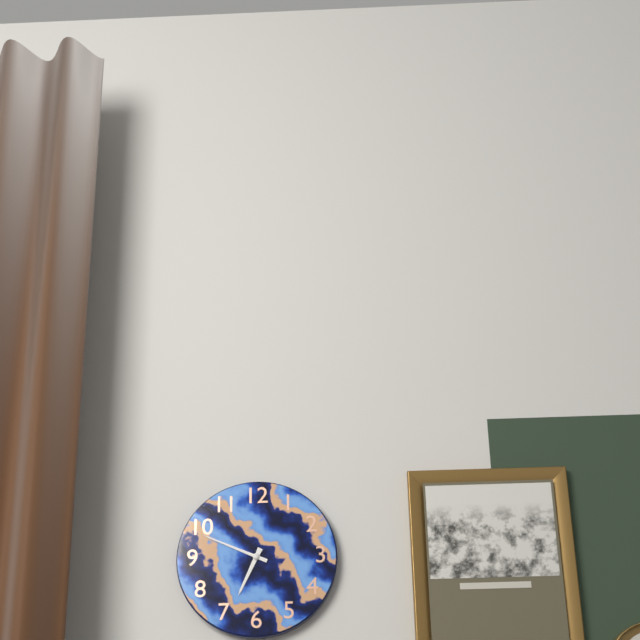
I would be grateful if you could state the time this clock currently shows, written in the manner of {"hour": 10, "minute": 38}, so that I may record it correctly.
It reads {"hour": 6, "minute": 49}
